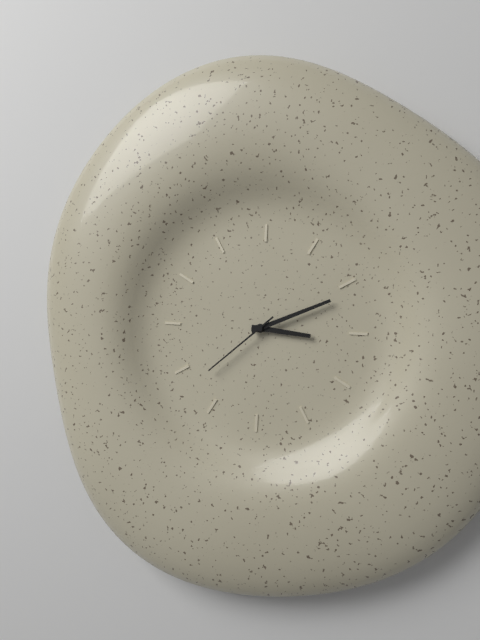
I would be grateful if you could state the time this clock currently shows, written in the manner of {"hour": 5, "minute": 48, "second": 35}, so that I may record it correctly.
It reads {"hour": 3, "minute": 11, "second": 38}
